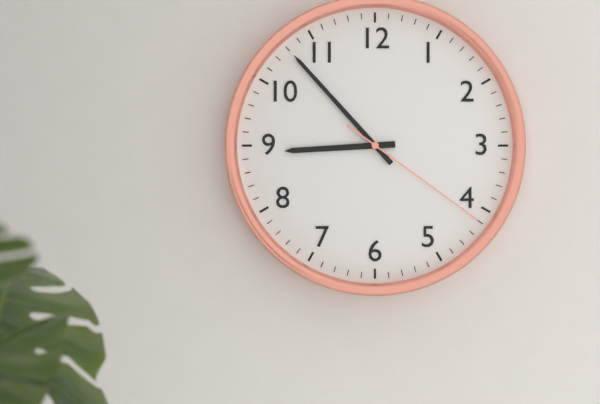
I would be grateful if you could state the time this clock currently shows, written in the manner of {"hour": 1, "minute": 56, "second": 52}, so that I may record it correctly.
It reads {"hour": 8, "minute": 53, "second": 21}
